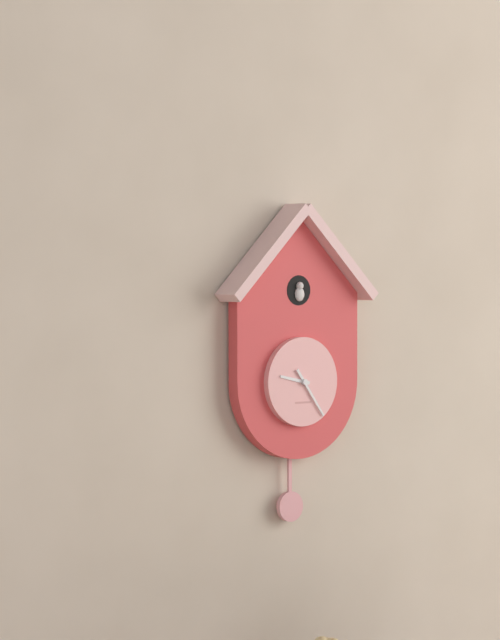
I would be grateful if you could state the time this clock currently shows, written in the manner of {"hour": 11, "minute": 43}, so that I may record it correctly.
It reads {"hour": 9, "minute": 24}
